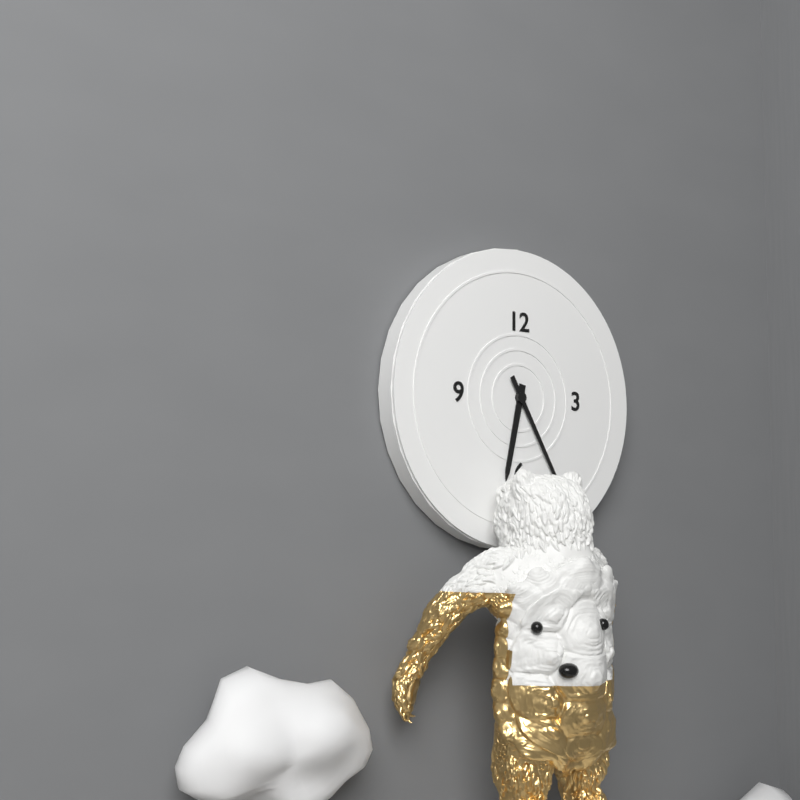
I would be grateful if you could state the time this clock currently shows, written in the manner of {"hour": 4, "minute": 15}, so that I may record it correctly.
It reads {"hour": 6, "minute": 25}
